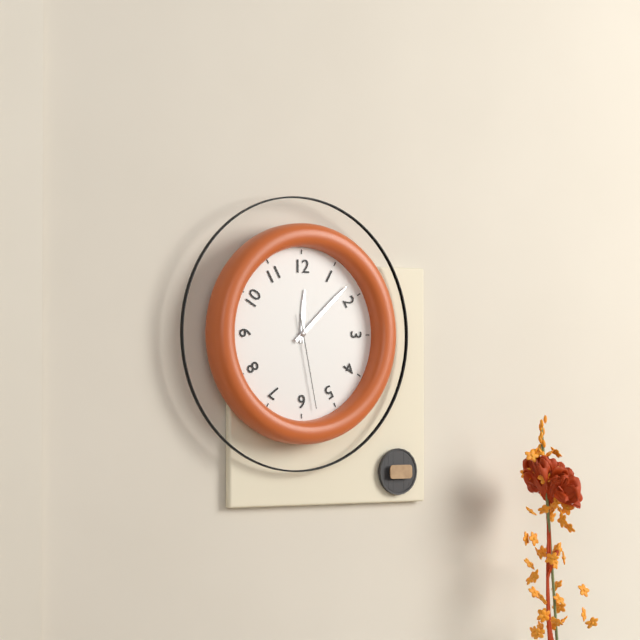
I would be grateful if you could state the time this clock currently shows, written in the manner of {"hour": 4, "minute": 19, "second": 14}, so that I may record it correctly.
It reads {"hour": 12, "minute": 8, "second": 28}
